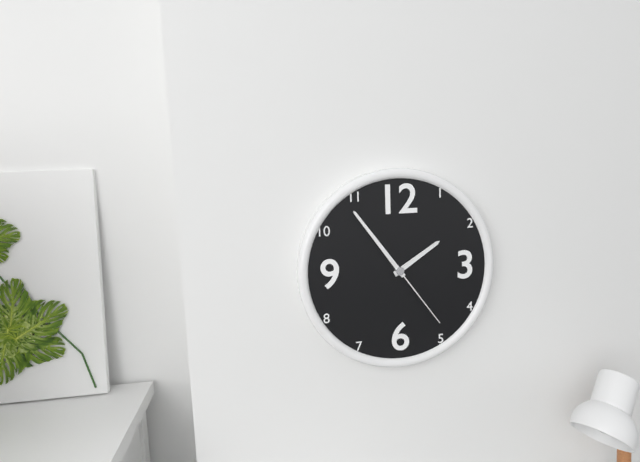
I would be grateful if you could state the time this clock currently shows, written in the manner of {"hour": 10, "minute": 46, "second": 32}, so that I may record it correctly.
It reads {"hour": 1, "minute": 54, "second": 24}
